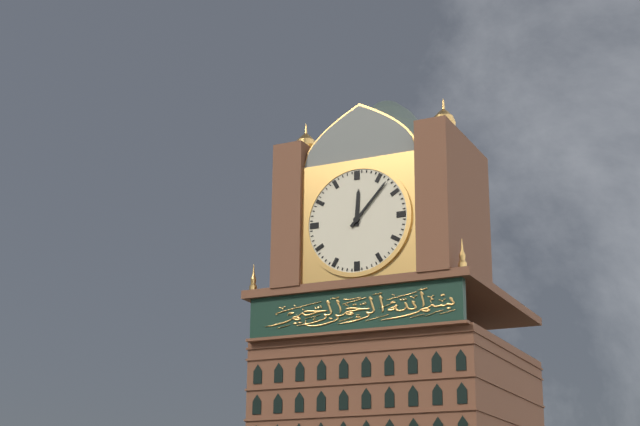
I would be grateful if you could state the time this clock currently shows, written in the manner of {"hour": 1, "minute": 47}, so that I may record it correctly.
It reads {"hour": 12, "minute": 7}
